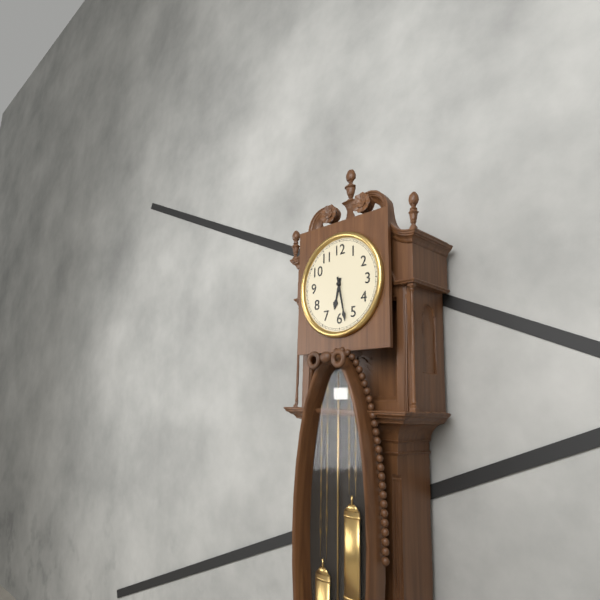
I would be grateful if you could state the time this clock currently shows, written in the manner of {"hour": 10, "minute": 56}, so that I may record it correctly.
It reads {"hour": 6, "minute": 28}
